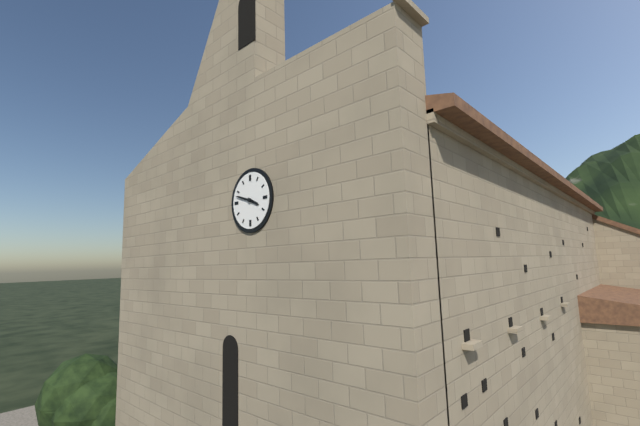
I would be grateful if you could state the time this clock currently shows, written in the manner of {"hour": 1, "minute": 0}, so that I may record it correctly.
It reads {"hour": 3, "minute": 48}
